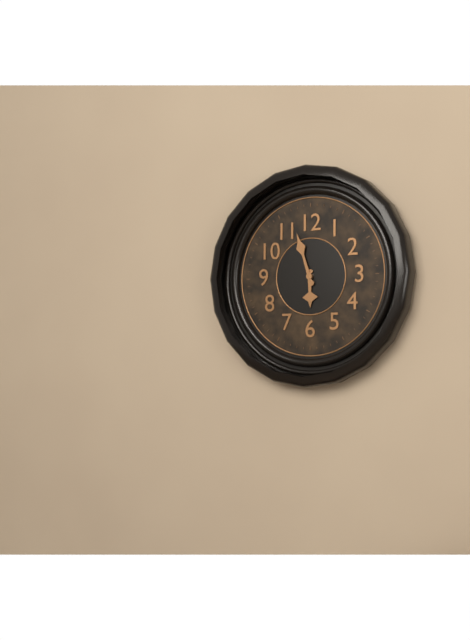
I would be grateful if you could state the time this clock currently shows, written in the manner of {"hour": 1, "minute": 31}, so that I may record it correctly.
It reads {"hour": 5, "minute": 57}
